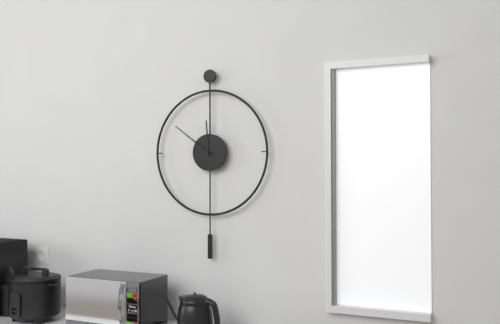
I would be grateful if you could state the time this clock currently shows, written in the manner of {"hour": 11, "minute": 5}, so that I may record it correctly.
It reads {"hour": 11, "minute": 51}
